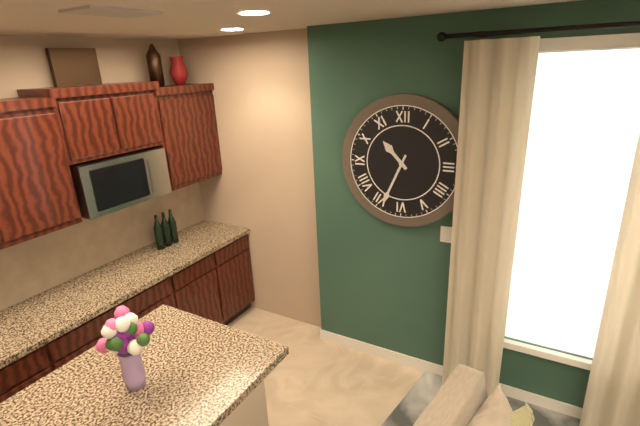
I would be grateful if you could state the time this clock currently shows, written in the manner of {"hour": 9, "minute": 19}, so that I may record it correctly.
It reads {"hour": 10, "minute": 34}
